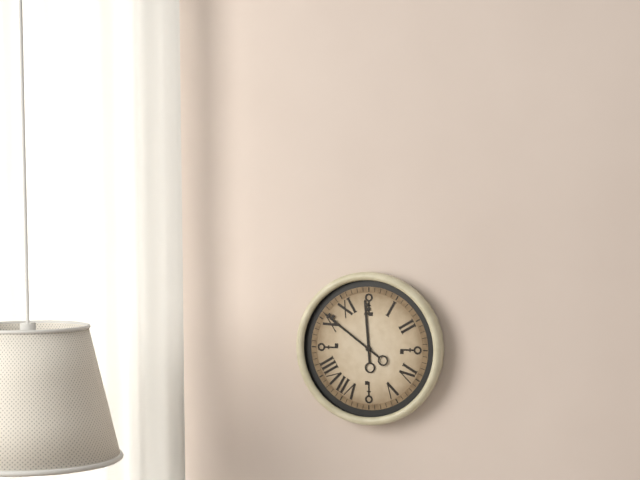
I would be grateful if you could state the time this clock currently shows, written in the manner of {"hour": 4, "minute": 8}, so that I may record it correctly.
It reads {"hour": 11, "minute": 51}
